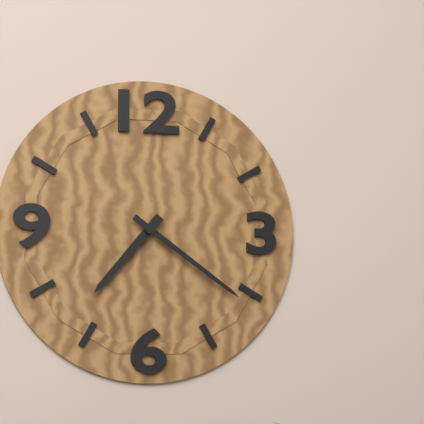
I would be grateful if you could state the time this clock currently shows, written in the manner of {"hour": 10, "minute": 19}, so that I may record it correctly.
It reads {"hour": 7, "minute": 21}
